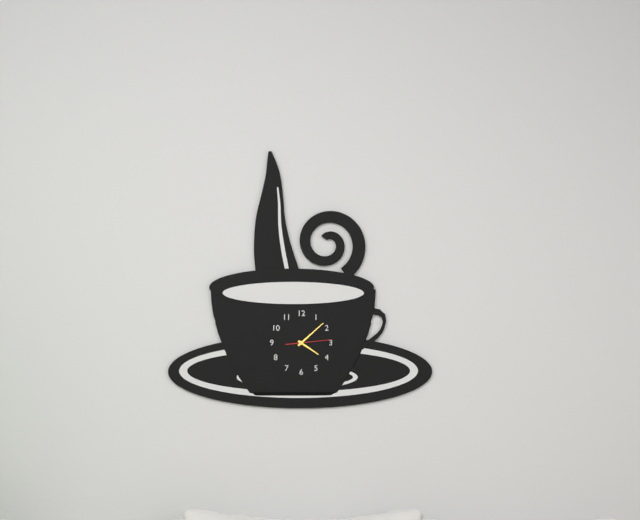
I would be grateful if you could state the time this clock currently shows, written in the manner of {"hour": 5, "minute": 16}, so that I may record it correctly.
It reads {"hour": 4, "minute": 8}
